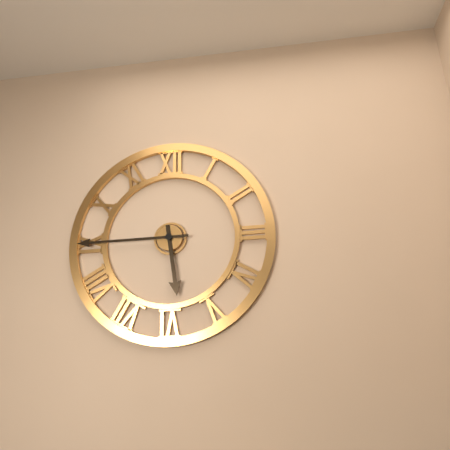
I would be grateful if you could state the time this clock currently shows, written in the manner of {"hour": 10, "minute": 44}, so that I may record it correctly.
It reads {"hour": 5, "minute": 45}
